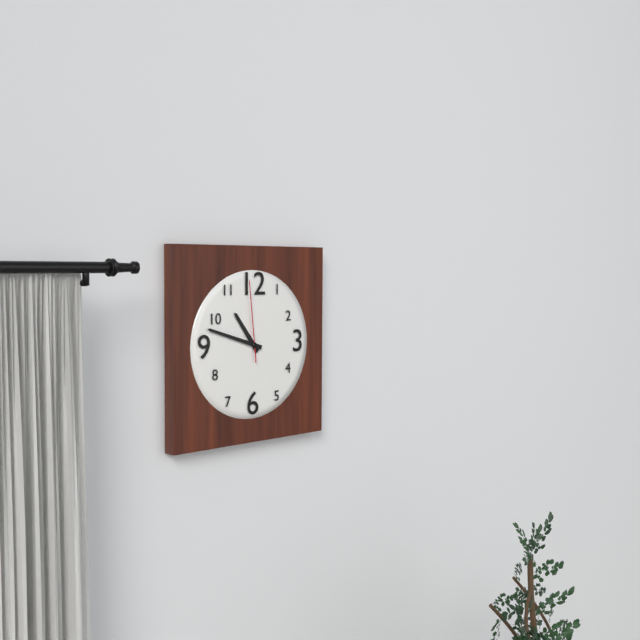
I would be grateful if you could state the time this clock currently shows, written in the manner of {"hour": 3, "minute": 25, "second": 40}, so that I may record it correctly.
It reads {"hour": 10, "minute": 48, "second": 59}
